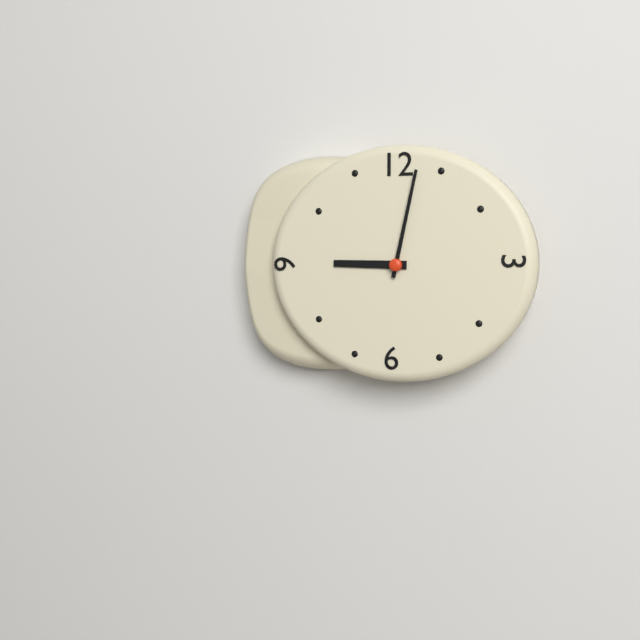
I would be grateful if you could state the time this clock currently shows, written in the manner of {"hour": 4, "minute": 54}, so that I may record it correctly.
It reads {"hour": 9, "minute": 2}
